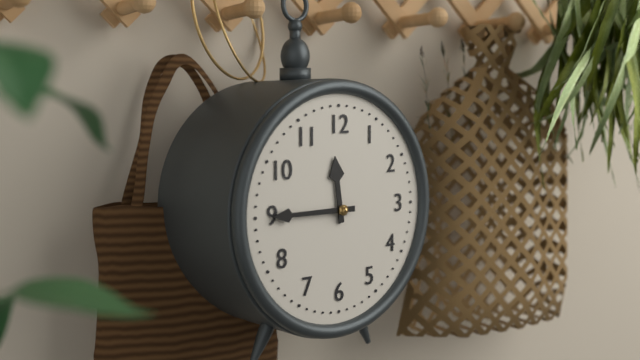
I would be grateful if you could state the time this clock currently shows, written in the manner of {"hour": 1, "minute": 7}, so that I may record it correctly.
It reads {"hour": 11, "minute": 45}
